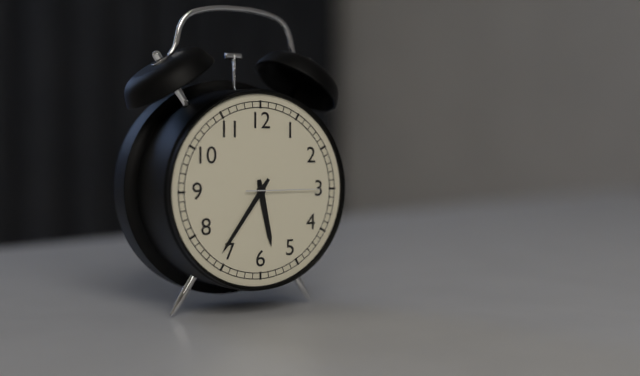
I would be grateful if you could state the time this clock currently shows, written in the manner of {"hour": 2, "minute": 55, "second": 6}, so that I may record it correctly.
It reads {"hour": 5, "minute": 36, "second": 15}
